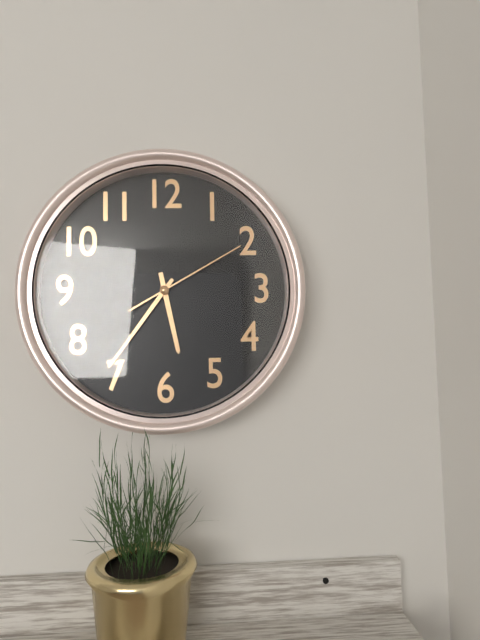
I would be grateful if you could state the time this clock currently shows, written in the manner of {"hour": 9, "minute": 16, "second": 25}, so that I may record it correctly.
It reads {"hour": 5, "minute": 36, "second": 10}
